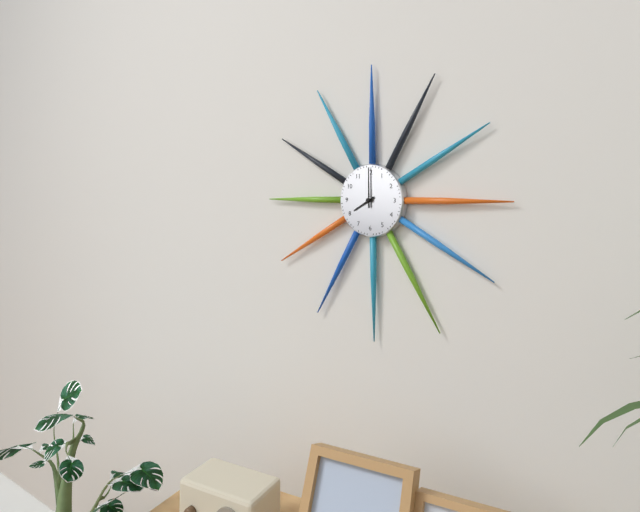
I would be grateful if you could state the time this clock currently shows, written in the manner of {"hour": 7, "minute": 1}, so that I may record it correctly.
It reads {"hour": 8, "minute": 0}
